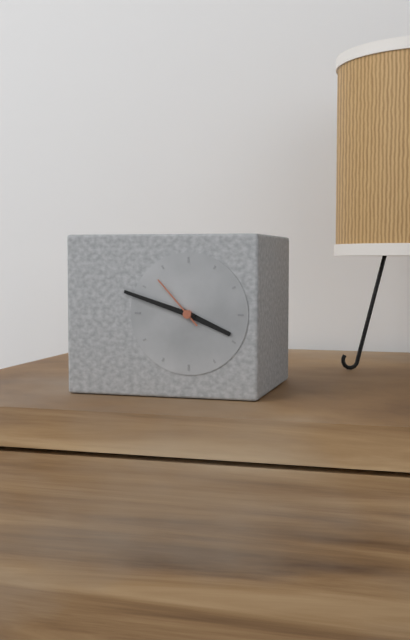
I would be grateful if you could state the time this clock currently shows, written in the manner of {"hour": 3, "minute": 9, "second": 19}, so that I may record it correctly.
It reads {"hour": 3, "minute": 48, "second": 53}
